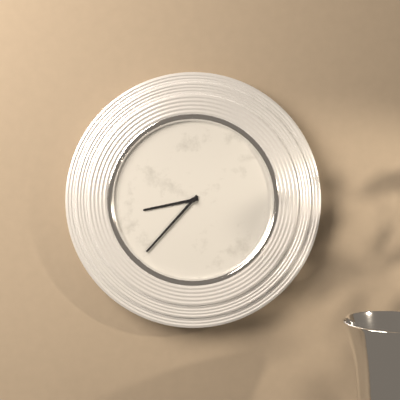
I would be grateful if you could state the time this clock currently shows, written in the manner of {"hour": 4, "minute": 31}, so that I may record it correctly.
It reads {"hour": 8, "minute": 37}
